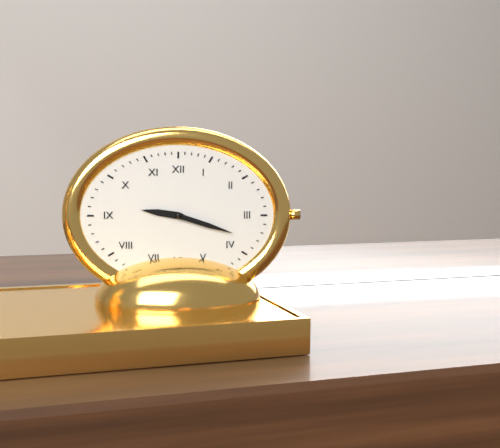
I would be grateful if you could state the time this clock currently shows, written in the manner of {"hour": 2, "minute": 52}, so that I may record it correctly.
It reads {"hour": 9, "minute": 18}
